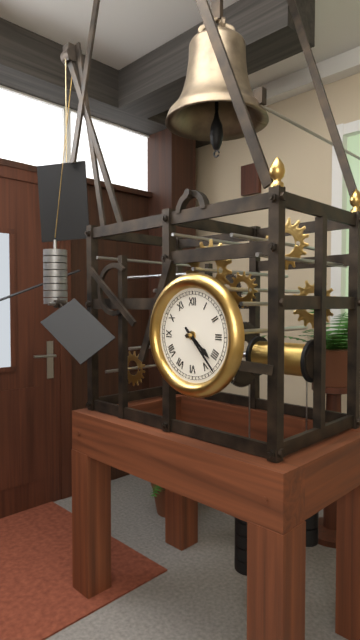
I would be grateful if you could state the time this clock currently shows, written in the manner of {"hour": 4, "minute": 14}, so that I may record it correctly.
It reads {"hour": 4, "minute": 23}
